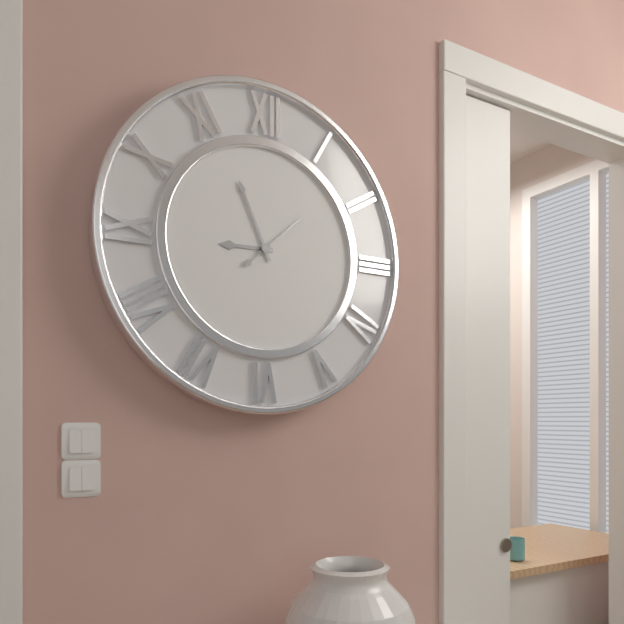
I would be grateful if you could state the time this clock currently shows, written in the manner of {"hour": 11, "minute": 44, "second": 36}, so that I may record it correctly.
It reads {"hour": 8, "minute": 56, "second": 8}
